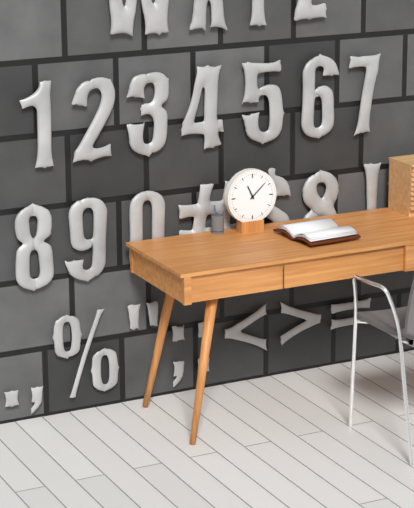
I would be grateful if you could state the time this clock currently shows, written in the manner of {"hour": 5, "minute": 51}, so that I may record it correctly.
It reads {"hour": 11, "minute": 8}
